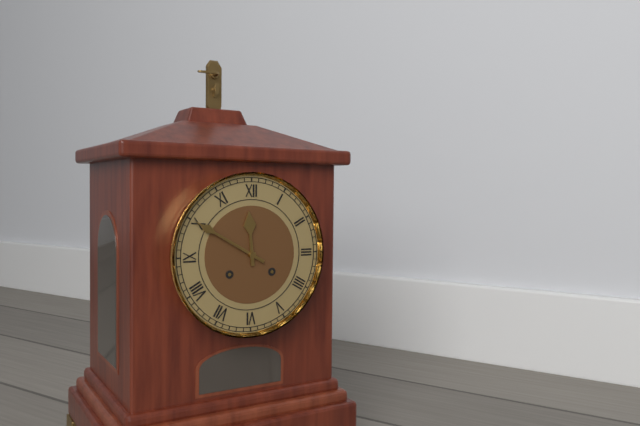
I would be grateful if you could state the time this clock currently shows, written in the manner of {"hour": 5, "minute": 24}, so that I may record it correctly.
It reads {"hour": 11, "minute": 50}
